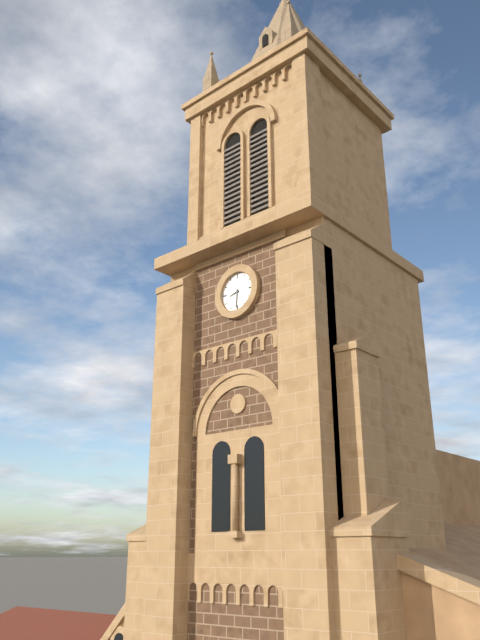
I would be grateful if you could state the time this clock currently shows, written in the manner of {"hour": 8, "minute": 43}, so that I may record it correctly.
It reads {"hour": 8, "minute": 31}
